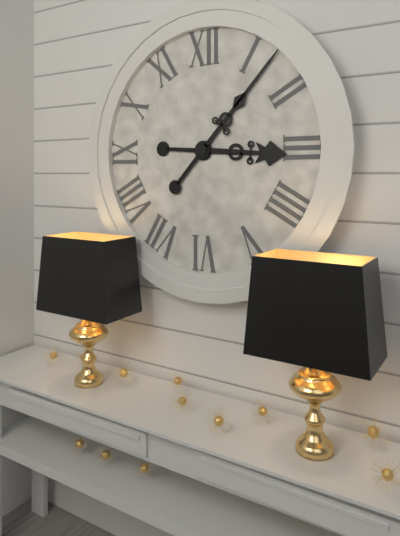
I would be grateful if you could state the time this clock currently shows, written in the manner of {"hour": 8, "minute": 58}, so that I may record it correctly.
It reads {"hour": 3, "minute": 7}
